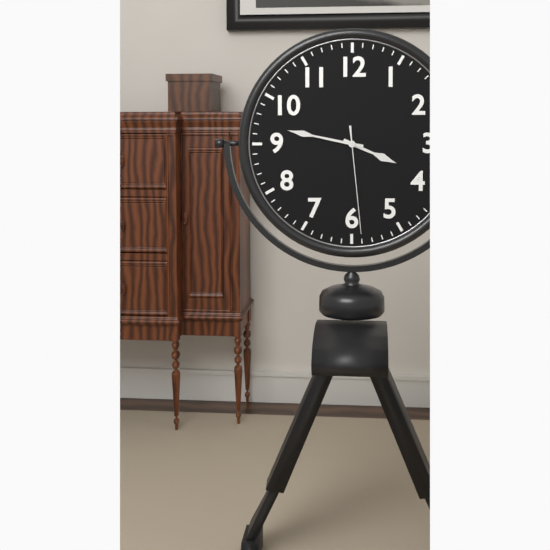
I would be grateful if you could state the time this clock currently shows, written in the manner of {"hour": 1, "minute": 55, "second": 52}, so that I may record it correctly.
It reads {"hour": 3, "minute": 47, "second": 29}
